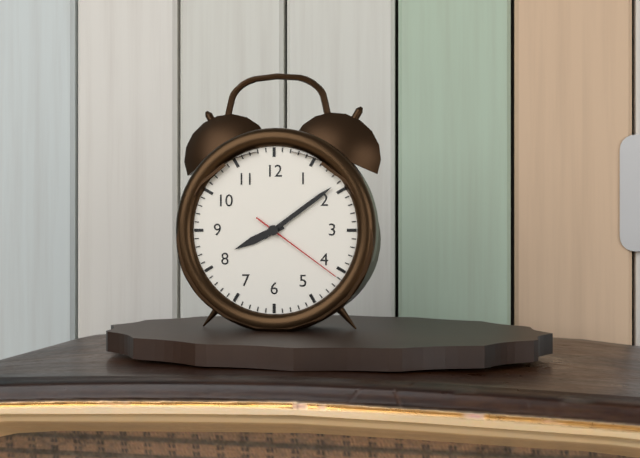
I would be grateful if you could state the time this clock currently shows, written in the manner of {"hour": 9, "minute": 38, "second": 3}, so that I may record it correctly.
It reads {"hour": 8, "minute": 9, "second": 21}
